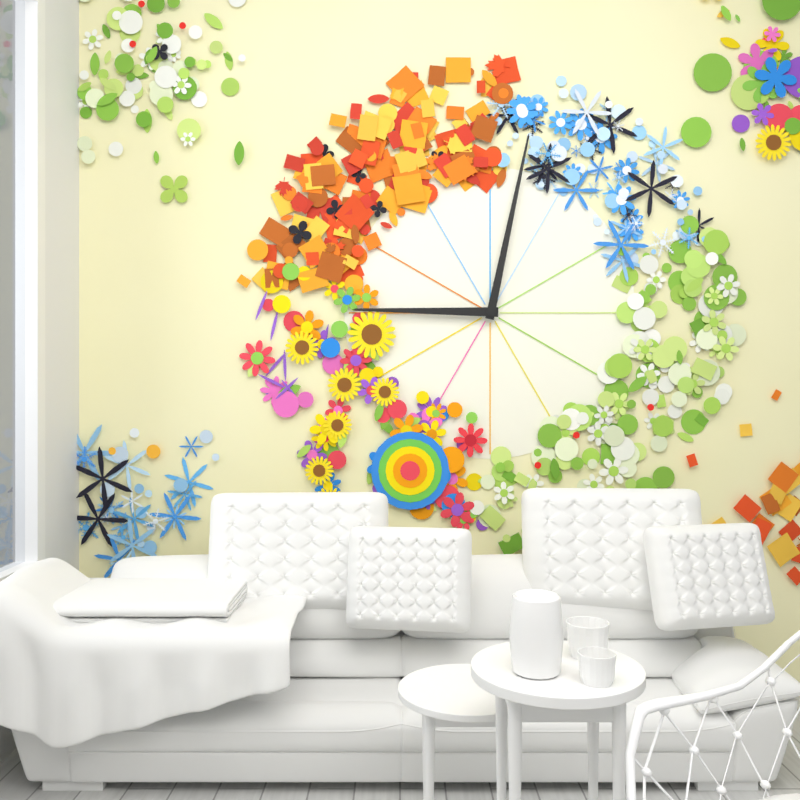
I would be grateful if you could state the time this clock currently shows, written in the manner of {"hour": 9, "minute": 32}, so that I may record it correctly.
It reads {"hour": 9, "minute": 2}
